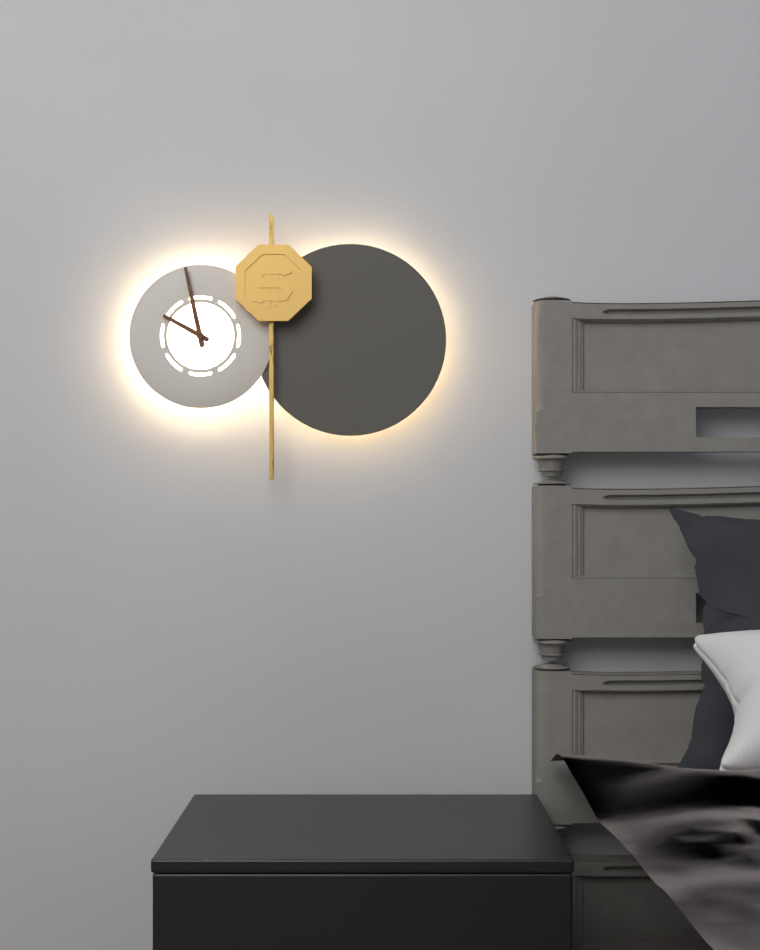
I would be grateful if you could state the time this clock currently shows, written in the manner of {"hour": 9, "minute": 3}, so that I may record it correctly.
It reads {"hour": 9, "minute": 58}
